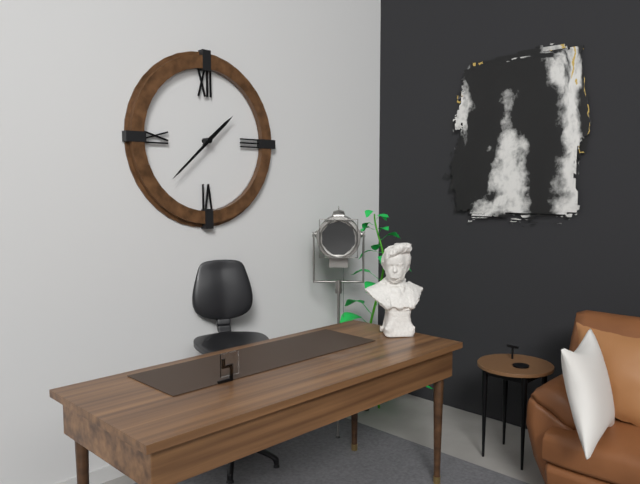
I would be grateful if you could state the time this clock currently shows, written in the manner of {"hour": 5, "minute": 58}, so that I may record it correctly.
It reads {"hour": 1, "minute": 38}
